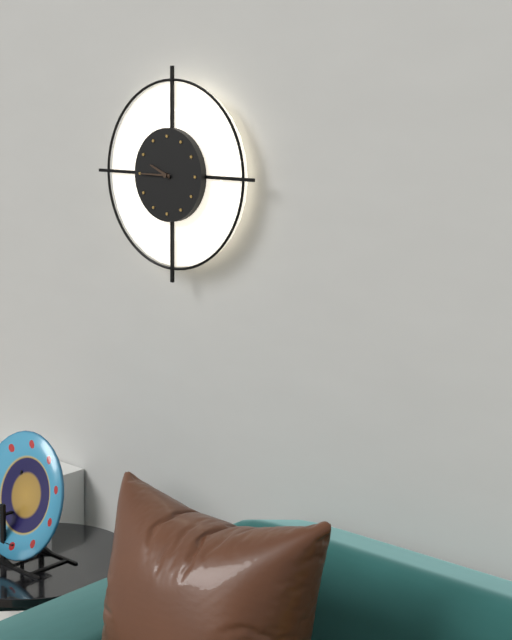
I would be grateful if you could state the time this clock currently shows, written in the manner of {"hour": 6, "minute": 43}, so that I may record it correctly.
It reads {"hour": 9, "minute": 45}
